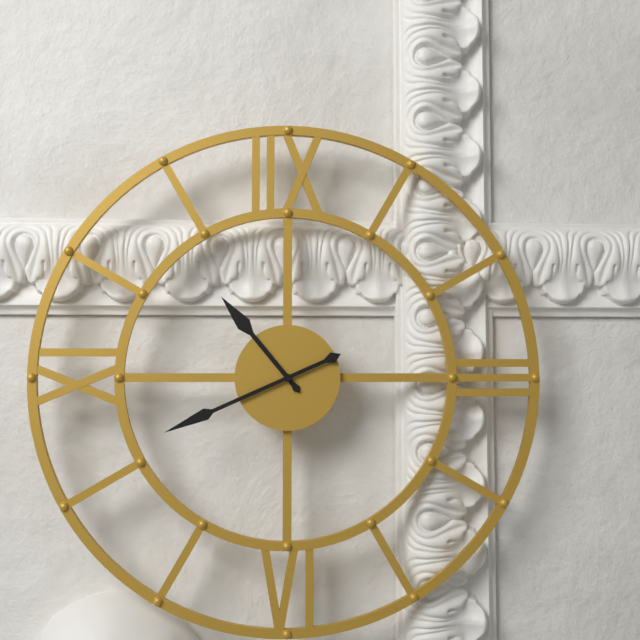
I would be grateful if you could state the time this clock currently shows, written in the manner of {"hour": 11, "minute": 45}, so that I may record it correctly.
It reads {"hour": 10, "minute": 41}
